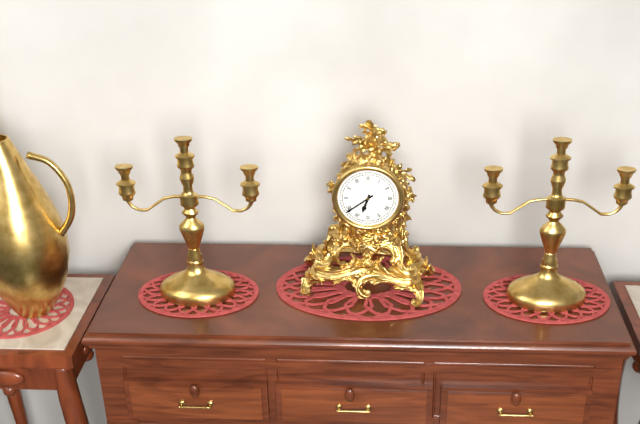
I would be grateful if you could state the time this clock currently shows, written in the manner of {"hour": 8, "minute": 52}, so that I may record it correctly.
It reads {"hour": 6, "minute": 39}
